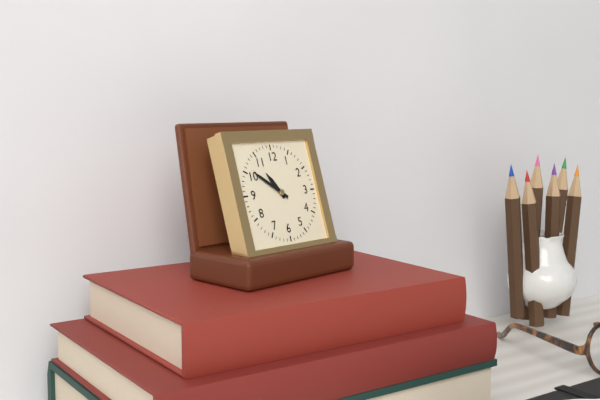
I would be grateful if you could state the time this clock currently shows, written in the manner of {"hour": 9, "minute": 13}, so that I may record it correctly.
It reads {"hour": 10, "minute": 51}
